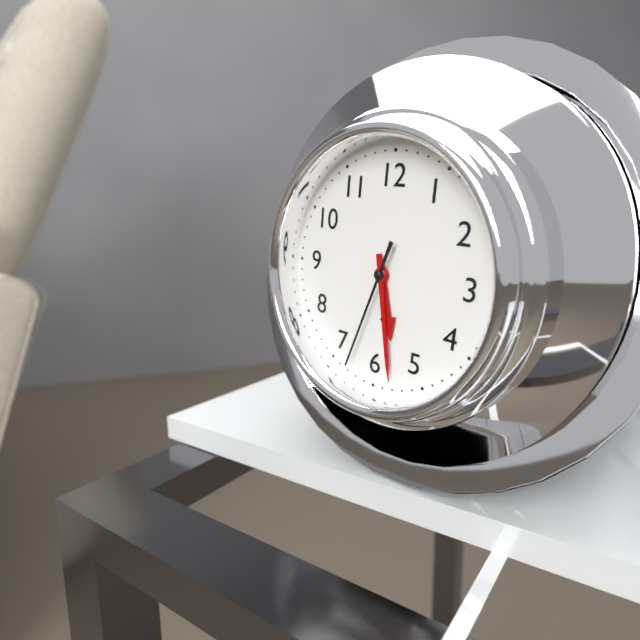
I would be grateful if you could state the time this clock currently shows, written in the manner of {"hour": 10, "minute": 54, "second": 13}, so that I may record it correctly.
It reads {"hour": 5, "minute": 28, "second": 33}
